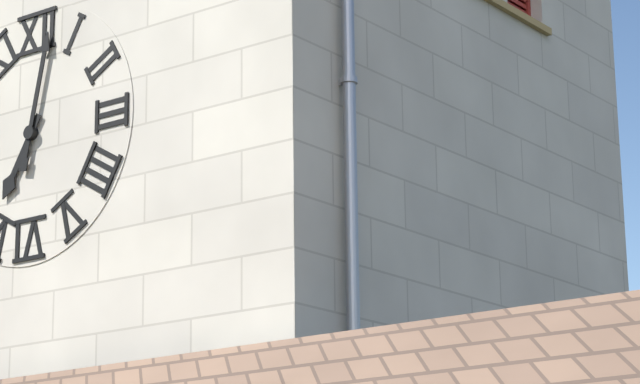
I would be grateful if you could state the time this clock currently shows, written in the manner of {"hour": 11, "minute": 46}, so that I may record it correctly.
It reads {"hour": 7, "minute": 2}
